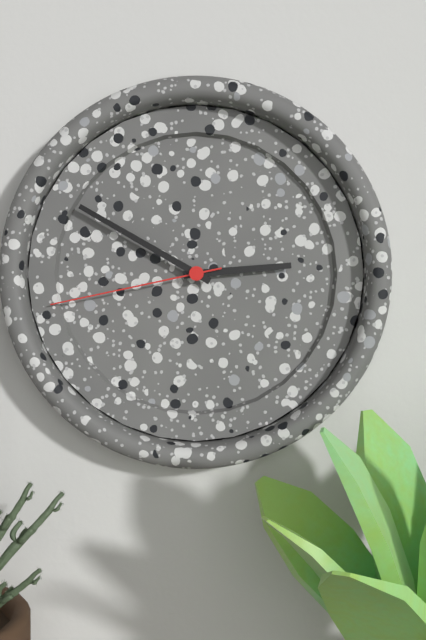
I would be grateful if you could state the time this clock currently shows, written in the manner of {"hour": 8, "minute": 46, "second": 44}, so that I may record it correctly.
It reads {"hour": 2, "minute": 50, "second": 43}
